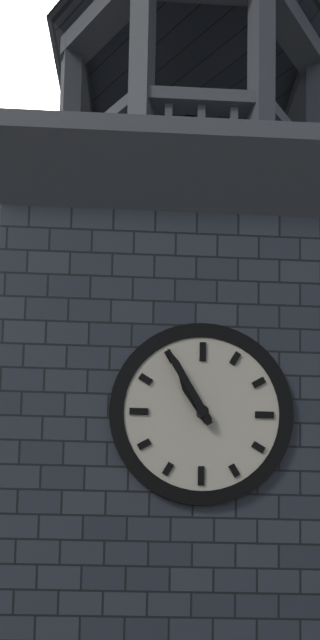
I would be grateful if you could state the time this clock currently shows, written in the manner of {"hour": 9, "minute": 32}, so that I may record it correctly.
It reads {"hour": 10, "minute": 55}
